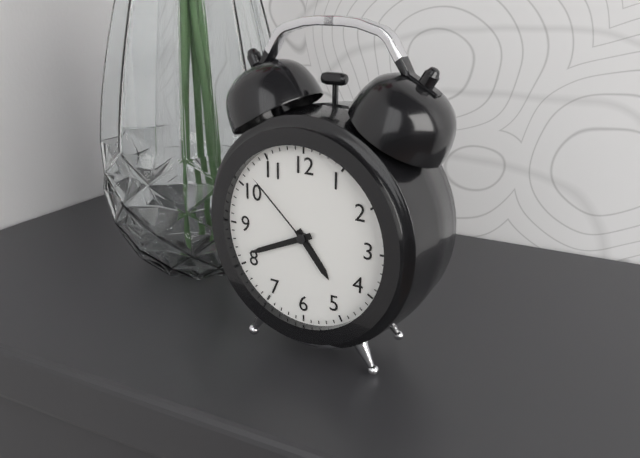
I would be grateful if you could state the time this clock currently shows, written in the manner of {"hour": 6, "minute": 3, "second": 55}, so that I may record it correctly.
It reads {"hour": 4, "minute": 41, "second": 52}
